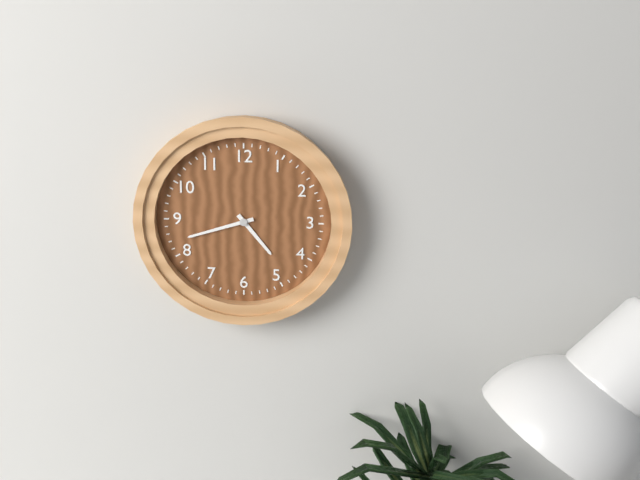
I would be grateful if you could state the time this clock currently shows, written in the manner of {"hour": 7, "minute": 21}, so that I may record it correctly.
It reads {"hour": 4, "minute": 42}
